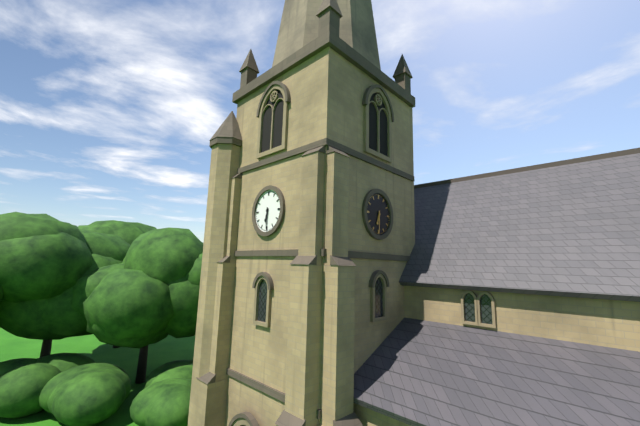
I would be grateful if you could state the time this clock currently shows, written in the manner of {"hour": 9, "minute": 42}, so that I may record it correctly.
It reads {"hour": 6, "minute": 30}
